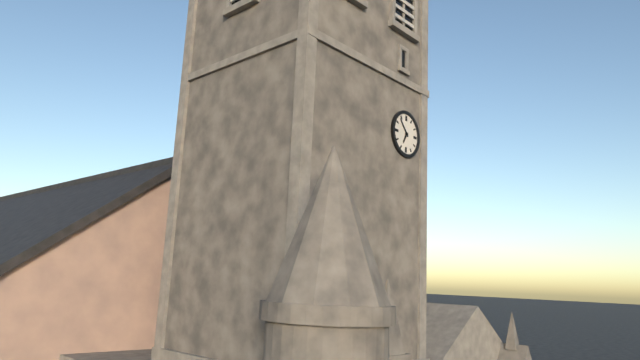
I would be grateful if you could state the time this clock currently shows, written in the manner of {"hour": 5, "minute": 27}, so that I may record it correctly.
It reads {"hour": 6, "minute": 53}
